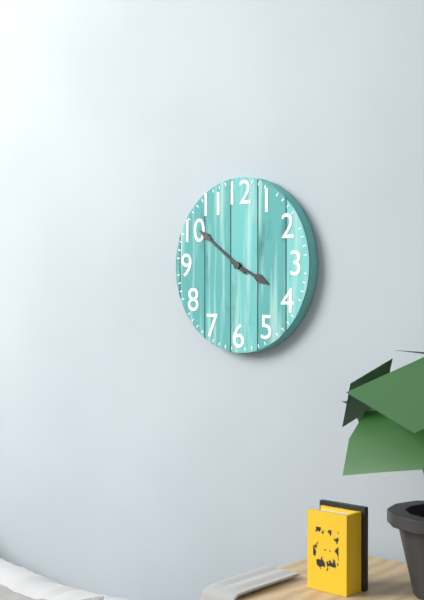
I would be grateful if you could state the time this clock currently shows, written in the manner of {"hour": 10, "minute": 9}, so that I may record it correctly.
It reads {"hour": 3, "minute": 51}
